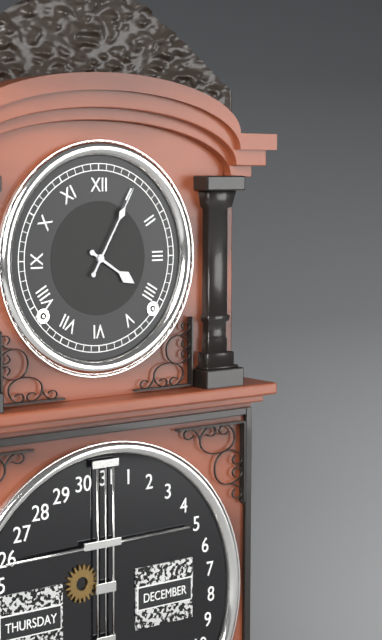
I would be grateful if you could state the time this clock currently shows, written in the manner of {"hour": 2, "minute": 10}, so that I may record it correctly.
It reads {"hour": 4, "minute": 5}
